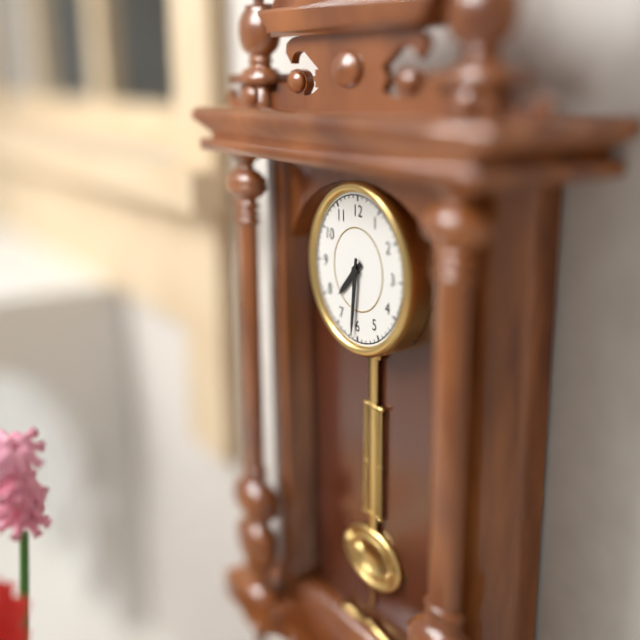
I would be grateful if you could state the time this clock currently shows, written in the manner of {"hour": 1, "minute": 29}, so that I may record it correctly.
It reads {"hour": 7, "minute": 31}
